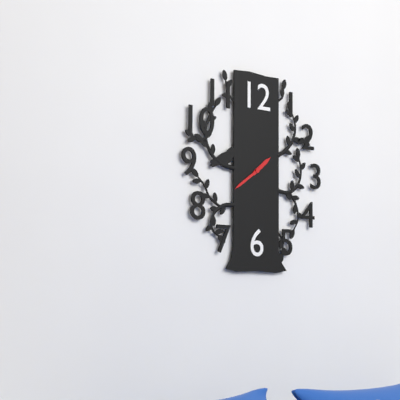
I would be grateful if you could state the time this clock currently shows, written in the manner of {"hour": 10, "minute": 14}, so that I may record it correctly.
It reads {"hour": 1, "minute": 39}
